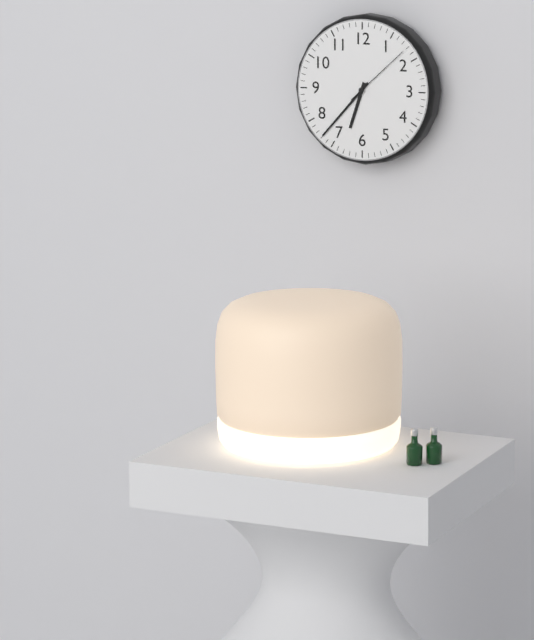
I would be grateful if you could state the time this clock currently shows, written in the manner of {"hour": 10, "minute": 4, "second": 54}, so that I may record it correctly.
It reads {"hour": 6, "minute": 37, "second": 8}
